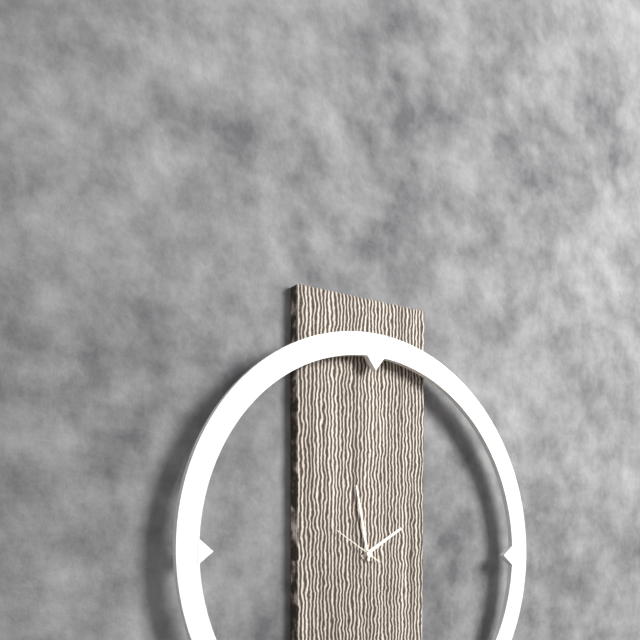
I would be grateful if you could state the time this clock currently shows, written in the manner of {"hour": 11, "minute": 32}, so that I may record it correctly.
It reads {"hour": 1, "minute": 58}
